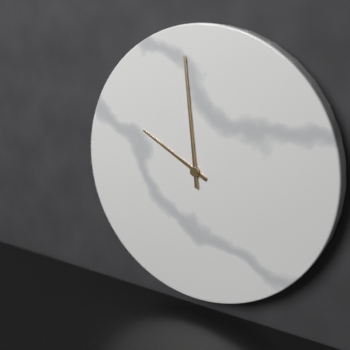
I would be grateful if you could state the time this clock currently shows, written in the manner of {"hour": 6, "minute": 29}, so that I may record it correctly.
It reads {"hour": 9, "minute": 59}
